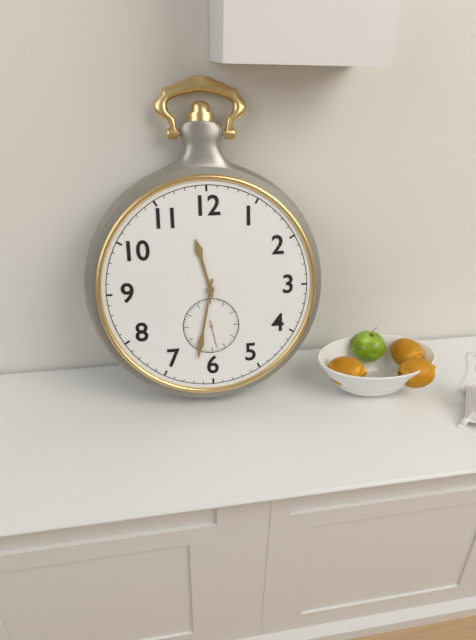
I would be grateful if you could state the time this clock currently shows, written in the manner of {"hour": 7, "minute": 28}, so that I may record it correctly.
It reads {"hour": 11, "minute": 32}
